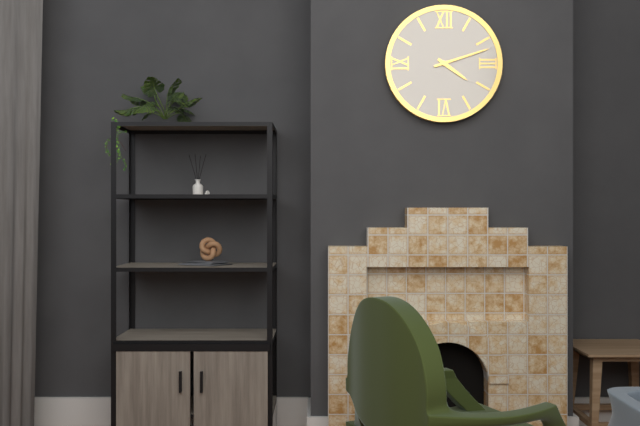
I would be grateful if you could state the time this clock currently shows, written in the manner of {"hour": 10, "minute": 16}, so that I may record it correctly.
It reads {"hour": 4, "minute": 12}
